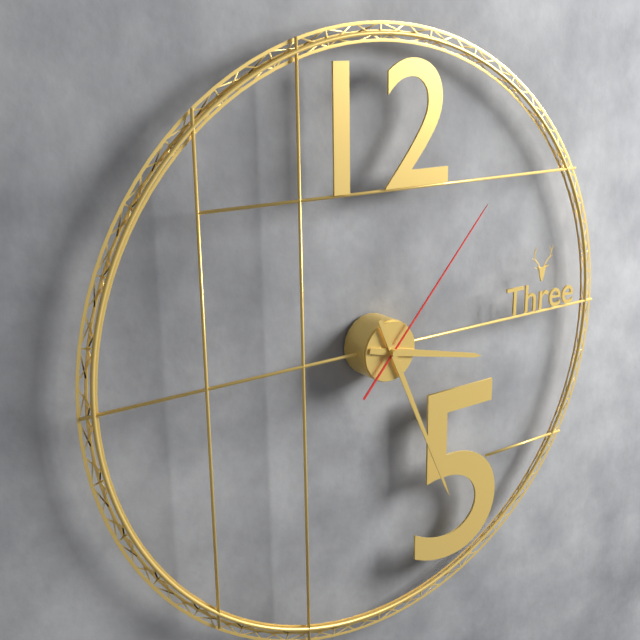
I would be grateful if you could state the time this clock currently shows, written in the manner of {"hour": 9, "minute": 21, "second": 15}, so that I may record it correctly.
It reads {"hour": 3, "minute": 26, "second": 7}
